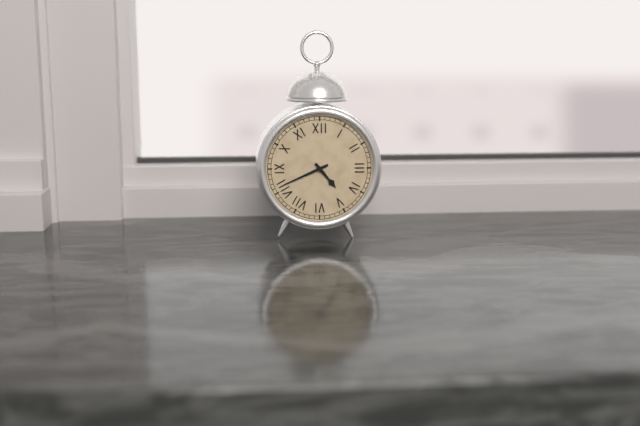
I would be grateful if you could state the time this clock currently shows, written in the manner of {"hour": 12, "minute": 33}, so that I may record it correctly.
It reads {"hour": 4, "minute": 41}
